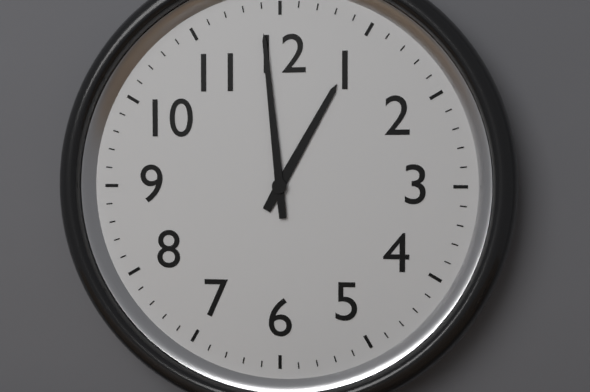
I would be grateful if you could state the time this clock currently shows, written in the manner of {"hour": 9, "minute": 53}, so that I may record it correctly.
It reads {"hour": 12, "minute": 59}
